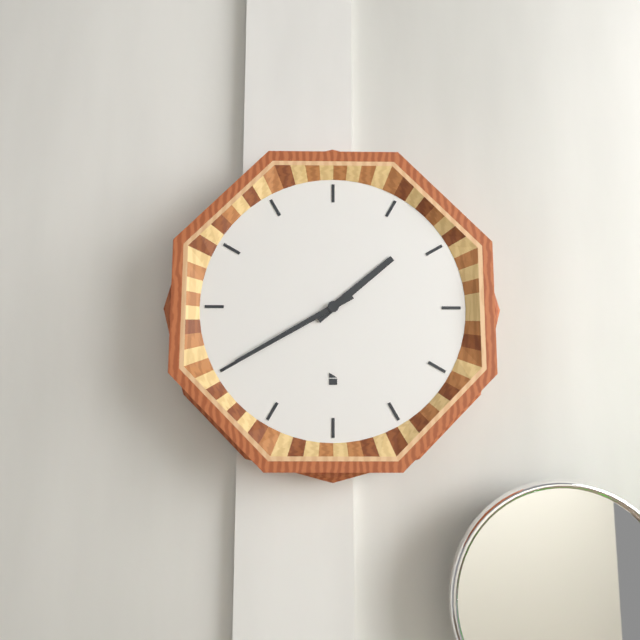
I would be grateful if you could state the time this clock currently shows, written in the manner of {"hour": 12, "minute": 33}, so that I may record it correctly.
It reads {"hour": 1, "minute": 40}
